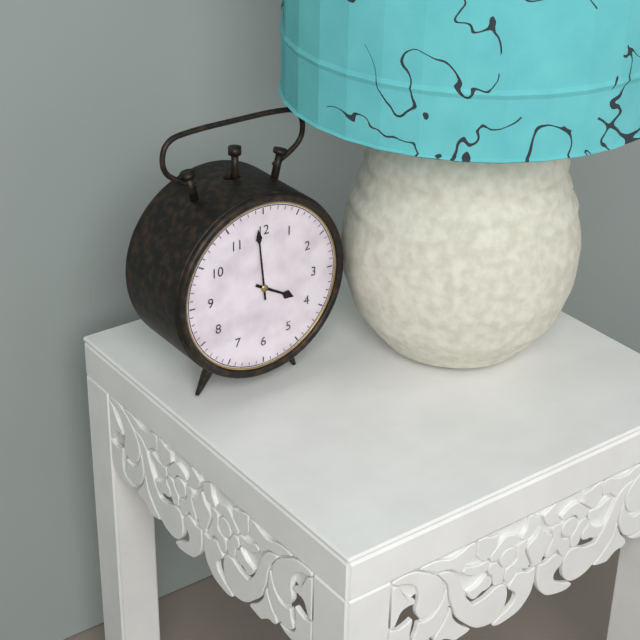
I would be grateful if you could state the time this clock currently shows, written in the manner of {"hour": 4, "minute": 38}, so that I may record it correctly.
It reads {"hour": 3, "minute": 59}
